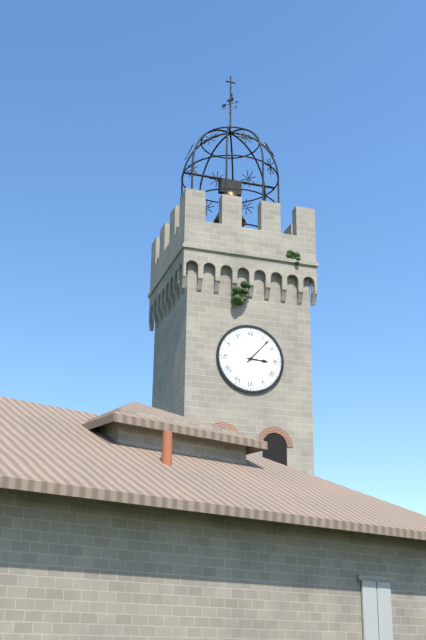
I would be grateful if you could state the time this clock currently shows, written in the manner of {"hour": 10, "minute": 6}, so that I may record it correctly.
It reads {"hour": 3, "minute": 7}
